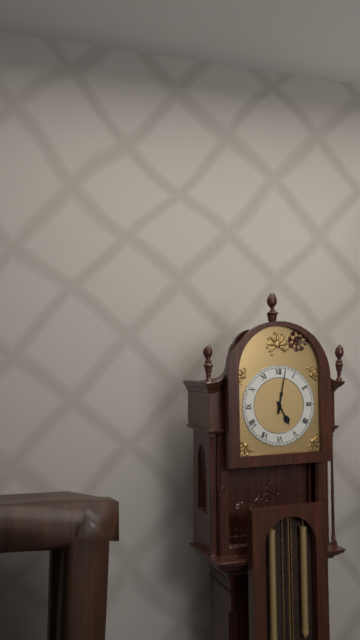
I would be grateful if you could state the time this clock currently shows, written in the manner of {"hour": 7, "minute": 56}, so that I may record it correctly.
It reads {"hour": 5, "minute": 2}
